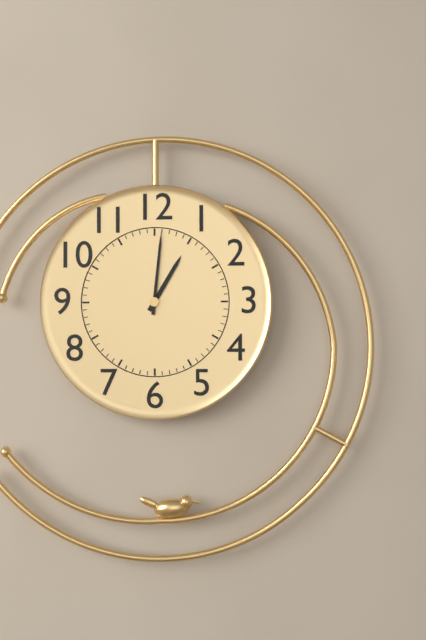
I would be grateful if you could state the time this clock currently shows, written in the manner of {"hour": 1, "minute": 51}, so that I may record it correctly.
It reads {"hour": 1, "minute": 1}
